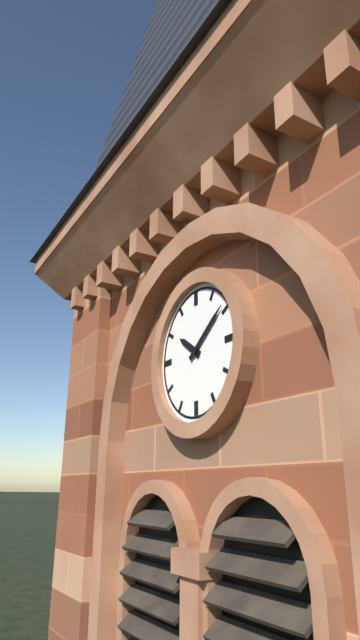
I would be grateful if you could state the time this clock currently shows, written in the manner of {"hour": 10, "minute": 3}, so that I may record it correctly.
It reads {"hour": 10, "minute": 9}
